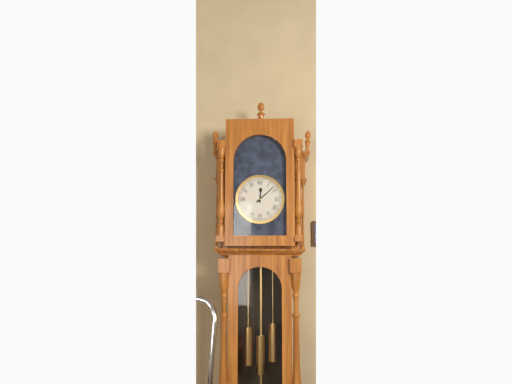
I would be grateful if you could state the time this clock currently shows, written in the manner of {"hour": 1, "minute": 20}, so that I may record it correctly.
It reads {"hour": 12, "minute": 8}
